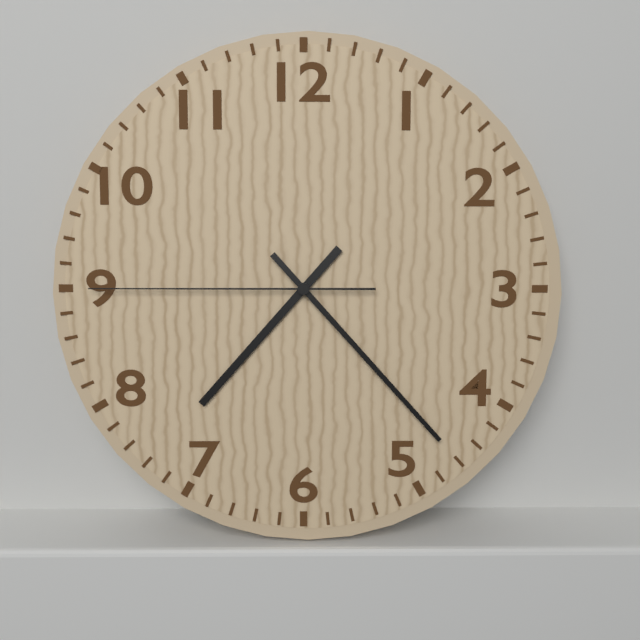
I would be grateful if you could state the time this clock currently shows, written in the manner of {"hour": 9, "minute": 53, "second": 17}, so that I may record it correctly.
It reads {"hour": 7, "minute": 23, "second": 45}
